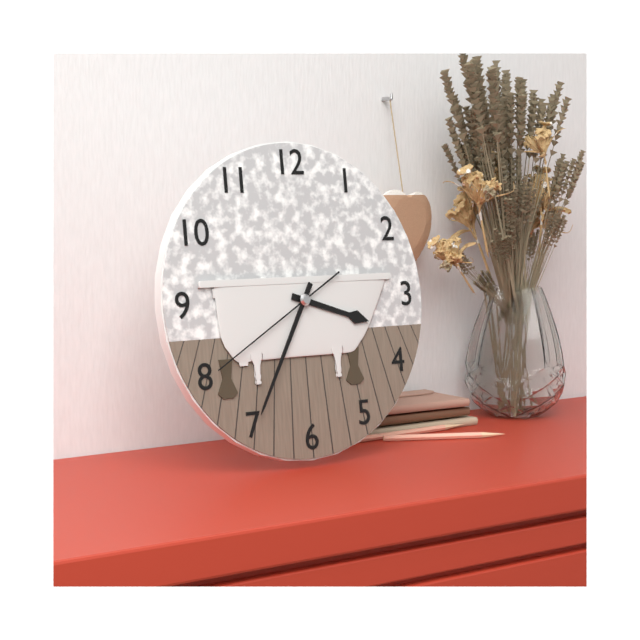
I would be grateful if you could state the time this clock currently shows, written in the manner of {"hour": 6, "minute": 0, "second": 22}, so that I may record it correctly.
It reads {"hour": 3, "minute": 35, "second": 40}
